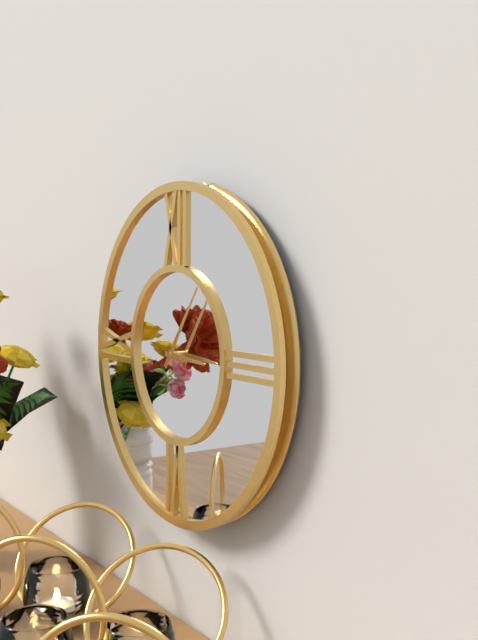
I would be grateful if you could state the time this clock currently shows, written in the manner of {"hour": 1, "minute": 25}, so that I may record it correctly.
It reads {"hour": 3, "minute": 6}
